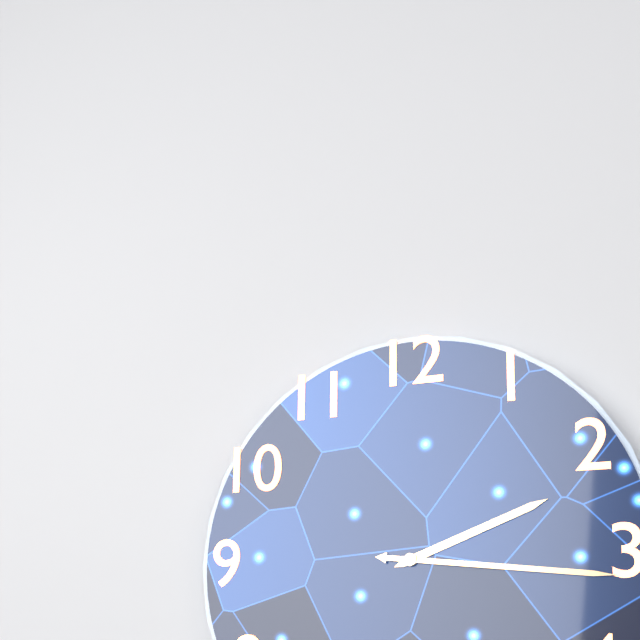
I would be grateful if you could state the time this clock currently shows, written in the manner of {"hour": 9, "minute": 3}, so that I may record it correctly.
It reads {"hour": 2, "minute": 16}
